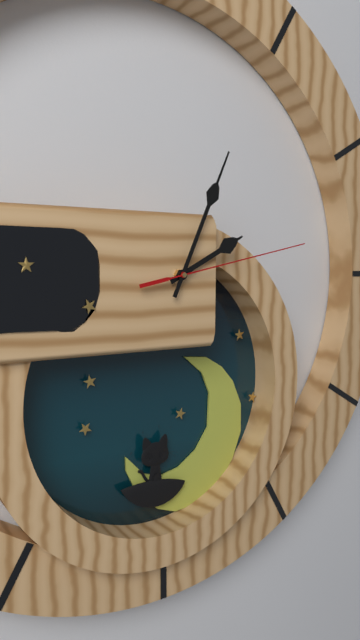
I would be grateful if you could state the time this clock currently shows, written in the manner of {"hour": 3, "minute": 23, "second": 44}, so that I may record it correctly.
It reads {"hour": 2, "minute": 4, "second": 13}
